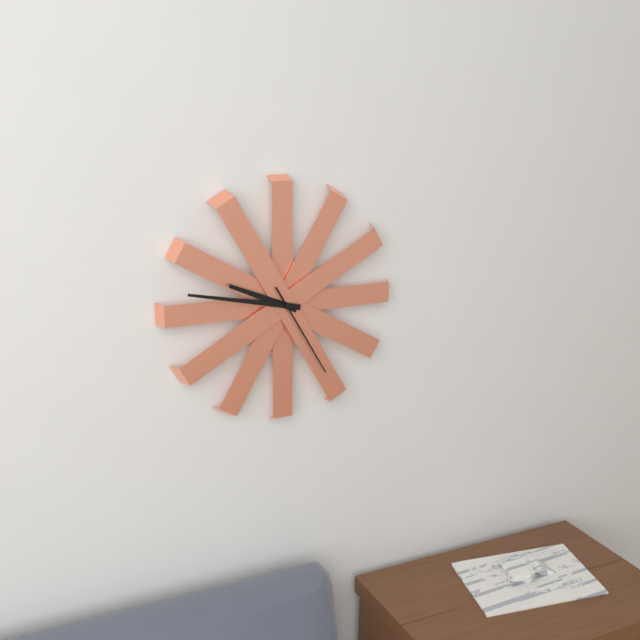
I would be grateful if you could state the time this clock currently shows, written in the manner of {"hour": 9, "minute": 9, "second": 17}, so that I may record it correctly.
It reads {"hour": 9, "minute": 47, "second": 25}
